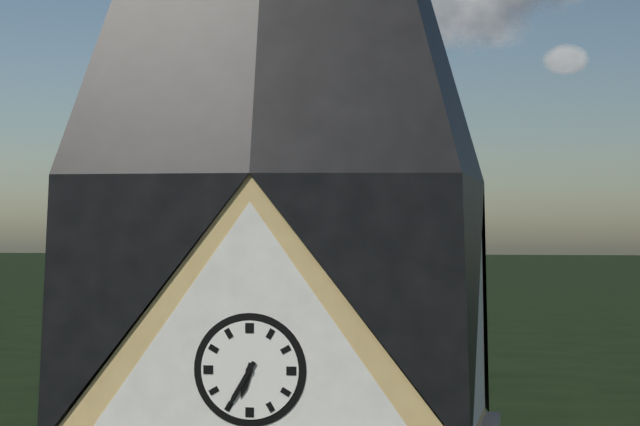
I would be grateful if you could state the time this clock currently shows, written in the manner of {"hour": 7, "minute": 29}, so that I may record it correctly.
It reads {"hour": 6, "minute": 35}
